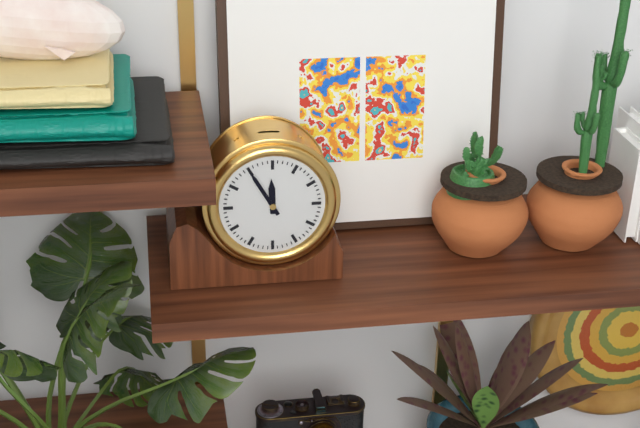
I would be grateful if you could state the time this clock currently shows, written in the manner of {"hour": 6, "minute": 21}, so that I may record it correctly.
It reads {"hour": 11, "minute": 55}
